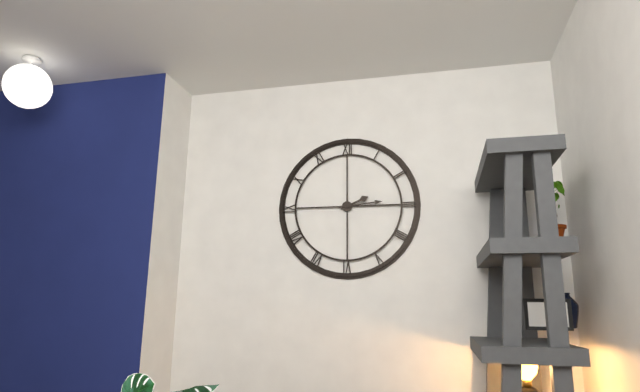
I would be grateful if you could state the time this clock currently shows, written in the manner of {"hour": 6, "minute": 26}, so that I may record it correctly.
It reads {"hour": 2, "minute": 14}
